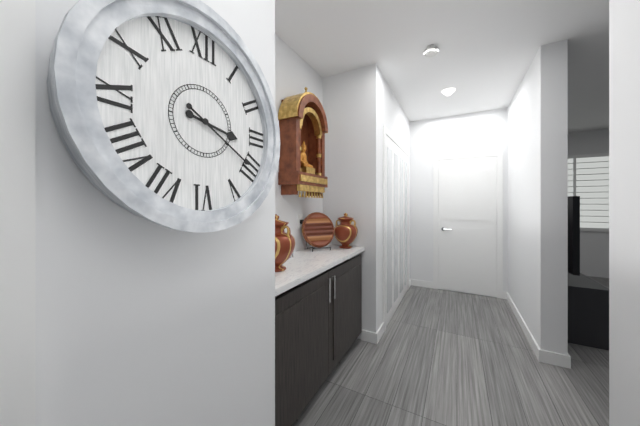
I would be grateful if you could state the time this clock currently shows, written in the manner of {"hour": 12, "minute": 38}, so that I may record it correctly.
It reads {"hour": 3, "minute": 20}
